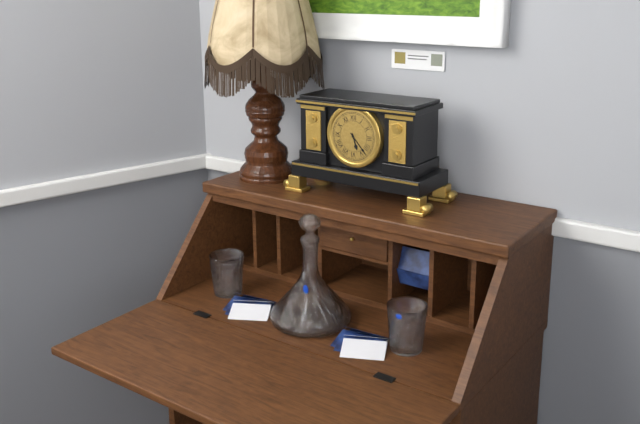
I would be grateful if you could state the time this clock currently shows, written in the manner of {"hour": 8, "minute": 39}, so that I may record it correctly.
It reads {"hour": 5, "minute": 23}
